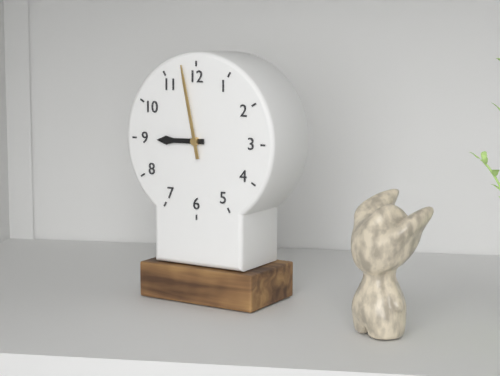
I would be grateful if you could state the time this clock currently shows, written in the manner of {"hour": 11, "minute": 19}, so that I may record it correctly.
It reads {"hour": 8, "minute": 58}
